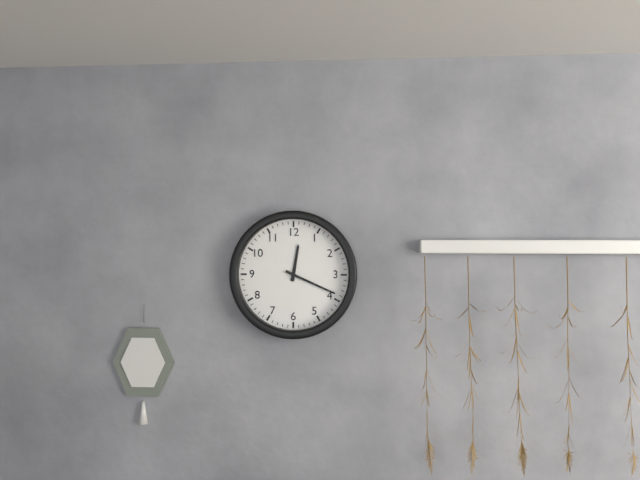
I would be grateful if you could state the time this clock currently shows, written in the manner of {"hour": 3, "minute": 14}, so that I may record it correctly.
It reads {"hour": 12, "minute": 19}
